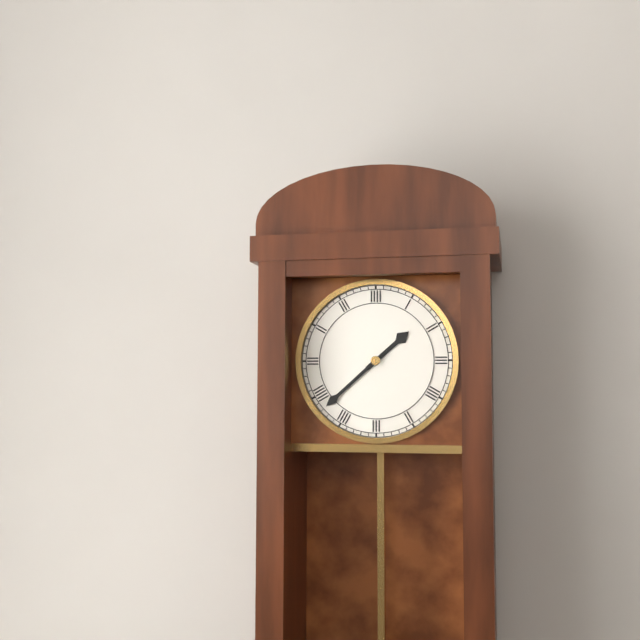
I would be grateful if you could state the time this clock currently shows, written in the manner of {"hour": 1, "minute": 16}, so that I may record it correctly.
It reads {"hour": 1, "minute": 38}
